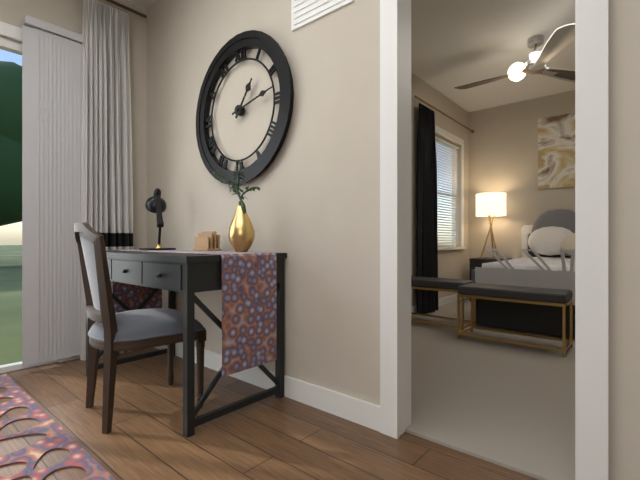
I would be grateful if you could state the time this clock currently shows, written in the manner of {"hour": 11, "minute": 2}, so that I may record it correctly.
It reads {"hour": 1, "minute": 13}
